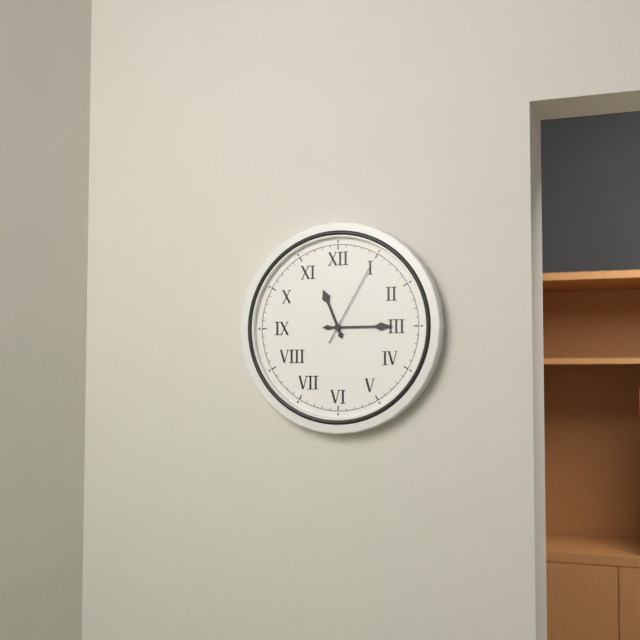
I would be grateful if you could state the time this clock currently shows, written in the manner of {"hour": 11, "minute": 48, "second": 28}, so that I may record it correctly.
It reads {"hour": 11, "minute": 15, "second": 5}
